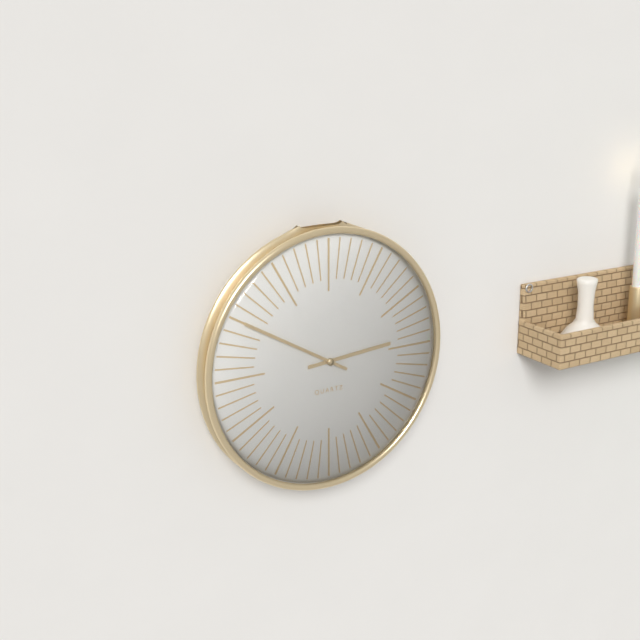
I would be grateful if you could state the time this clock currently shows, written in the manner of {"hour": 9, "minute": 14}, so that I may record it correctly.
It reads {"hour": 2, "minute": 50}
